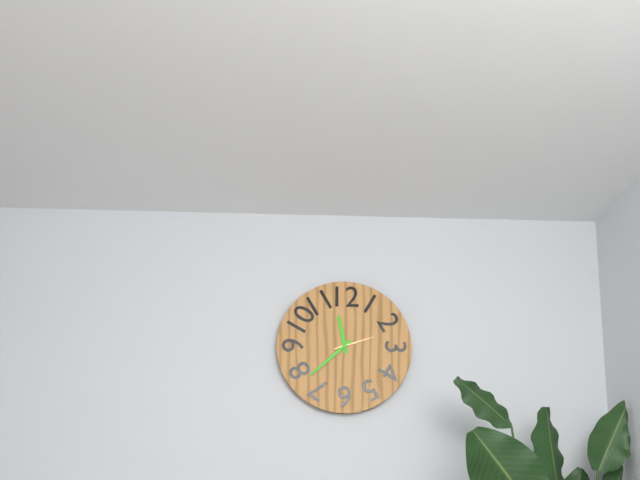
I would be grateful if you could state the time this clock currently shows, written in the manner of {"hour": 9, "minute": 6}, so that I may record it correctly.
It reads {"hour": 11, "minute": 38}
